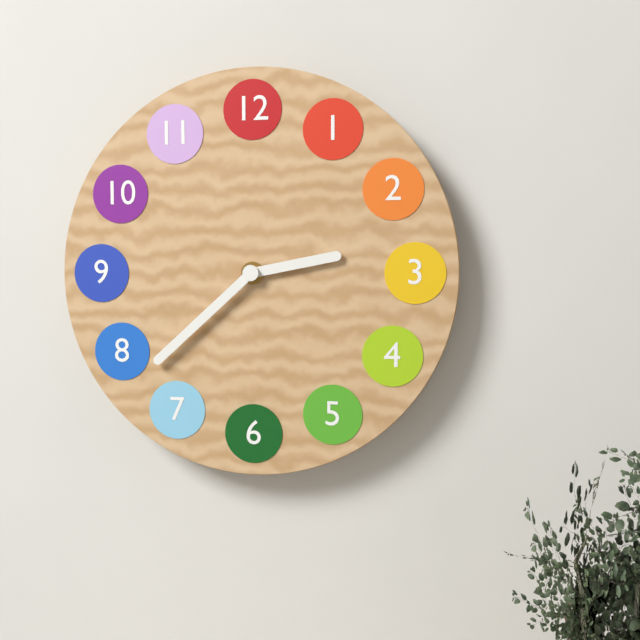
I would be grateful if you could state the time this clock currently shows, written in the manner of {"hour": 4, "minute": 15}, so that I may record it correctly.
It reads {"hour": 2, "minute": 38}
